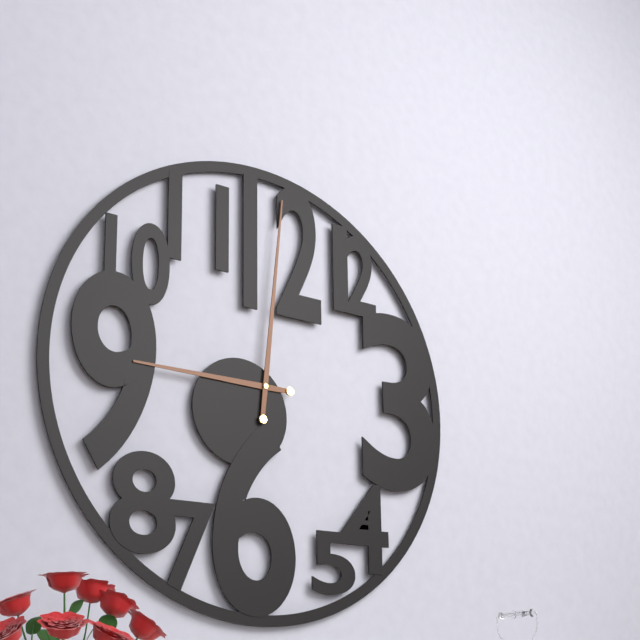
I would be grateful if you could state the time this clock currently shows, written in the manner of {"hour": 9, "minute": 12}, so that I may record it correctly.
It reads {"hour": 9, "minute": 1}
